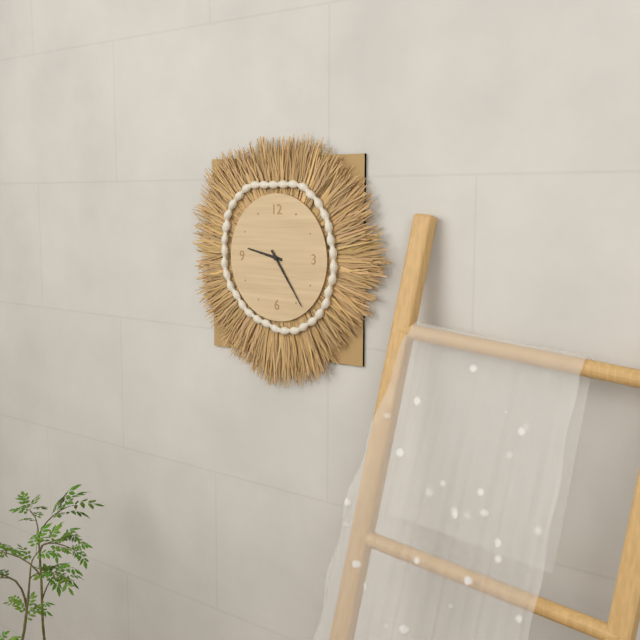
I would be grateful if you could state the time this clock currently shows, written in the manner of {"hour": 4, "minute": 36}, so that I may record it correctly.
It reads {"hour": 9, "minute": 24}
